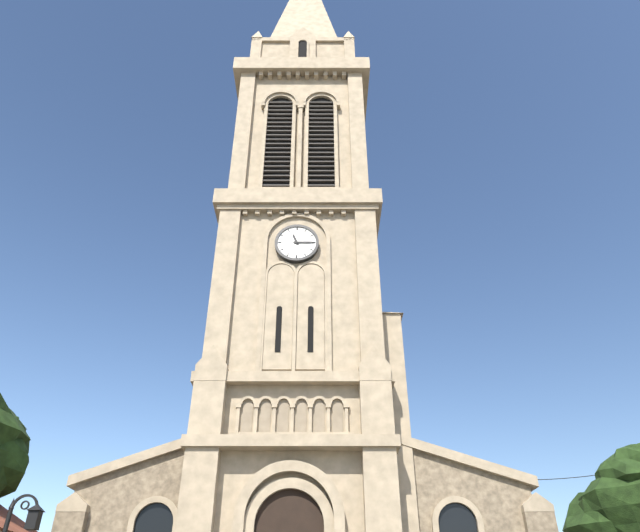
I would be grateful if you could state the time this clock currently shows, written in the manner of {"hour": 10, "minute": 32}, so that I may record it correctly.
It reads {"hour": 11, "minute": 15}
